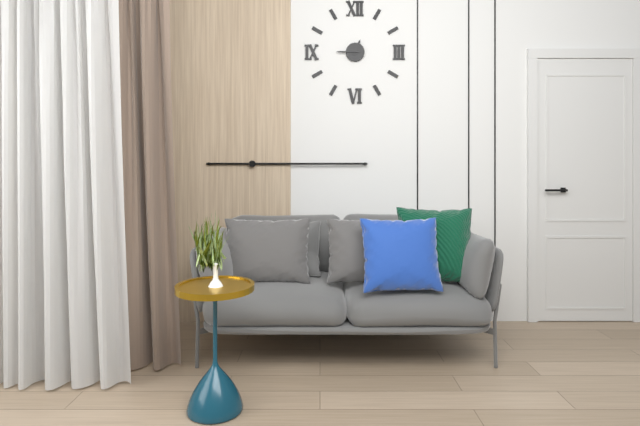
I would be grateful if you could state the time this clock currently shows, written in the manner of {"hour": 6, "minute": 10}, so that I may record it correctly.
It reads {"hour": 12, "minute": 45}
